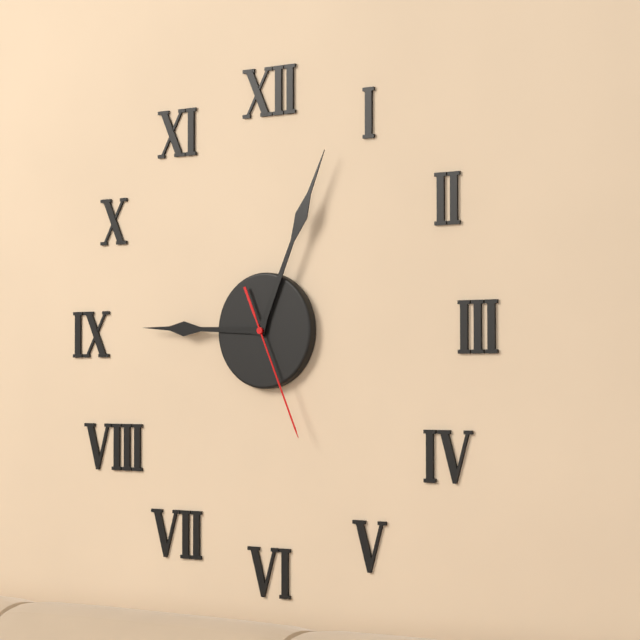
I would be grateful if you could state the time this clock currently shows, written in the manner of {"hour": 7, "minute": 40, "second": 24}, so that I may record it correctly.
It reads {"hour": 9, "minute": 4, "second": 26}
